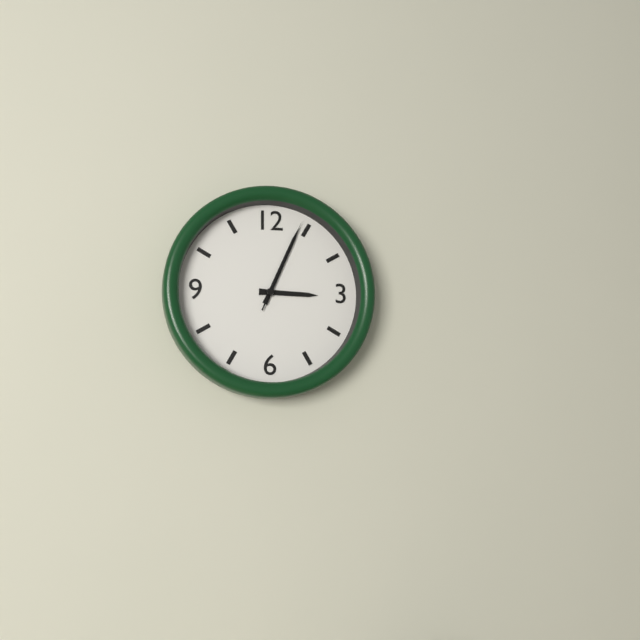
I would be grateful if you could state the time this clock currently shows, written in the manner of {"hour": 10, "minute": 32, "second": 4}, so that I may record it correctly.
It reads {"hour": 3, "minute": 4, "second": 4}
